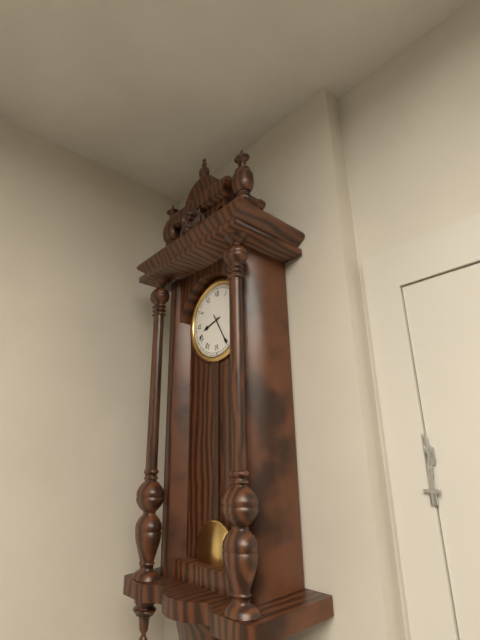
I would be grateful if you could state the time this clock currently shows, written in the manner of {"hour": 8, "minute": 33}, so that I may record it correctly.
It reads {"hour": 8, "minute": 25}
